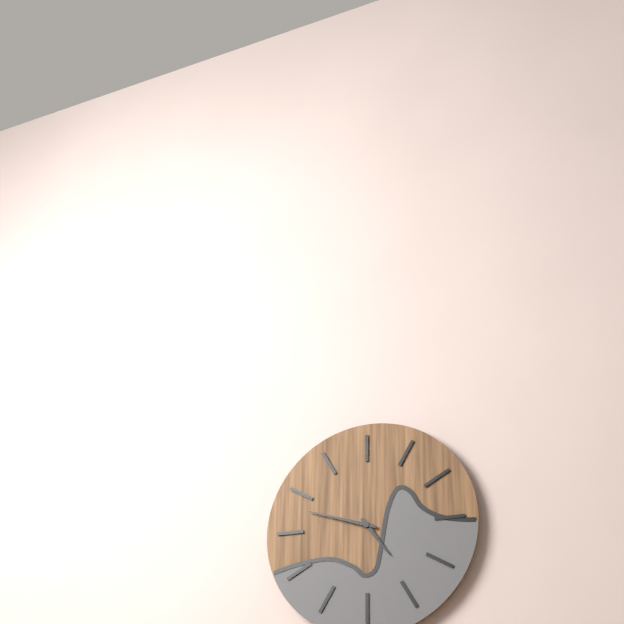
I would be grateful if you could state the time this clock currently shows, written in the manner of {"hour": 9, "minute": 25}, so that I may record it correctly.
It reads {"hour": 4, "minute": 48}
